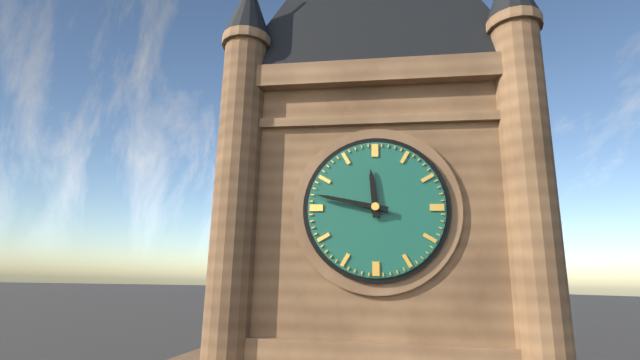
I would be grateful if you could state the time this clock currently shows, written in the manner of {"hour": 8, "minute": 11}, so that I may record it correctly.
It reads {"hour": 11, "minute": 47}
